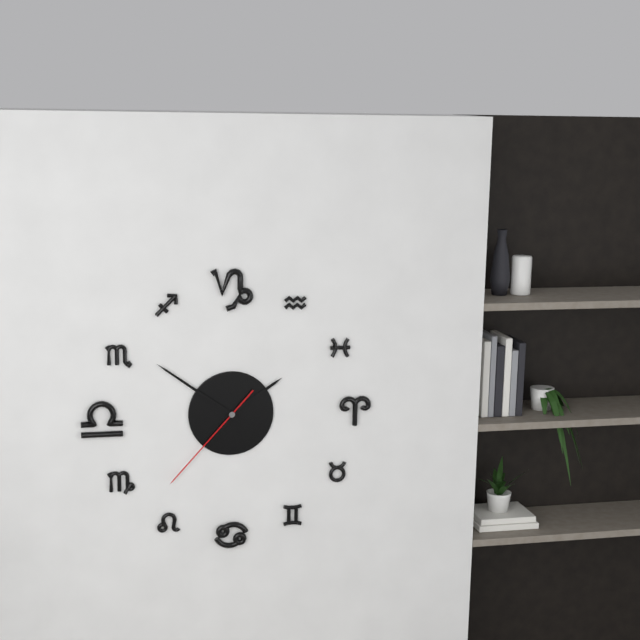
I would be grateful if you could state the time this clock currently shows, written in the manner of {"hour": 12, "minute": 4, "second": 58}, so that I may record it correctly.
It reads {"hour": 1, "minute": 51, "second": 37}
